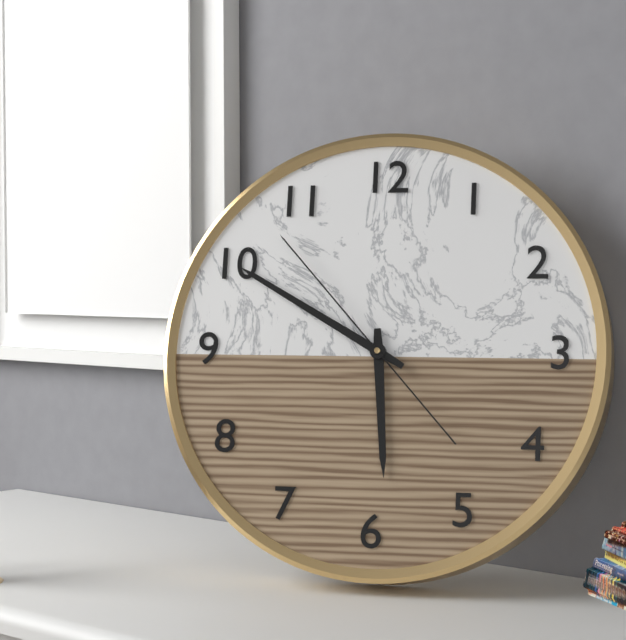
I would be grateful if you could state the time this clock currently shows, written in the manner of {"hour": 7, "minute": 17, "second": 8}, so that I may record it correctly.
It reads {"hour": 5, "minute": 50, "second": 53}
